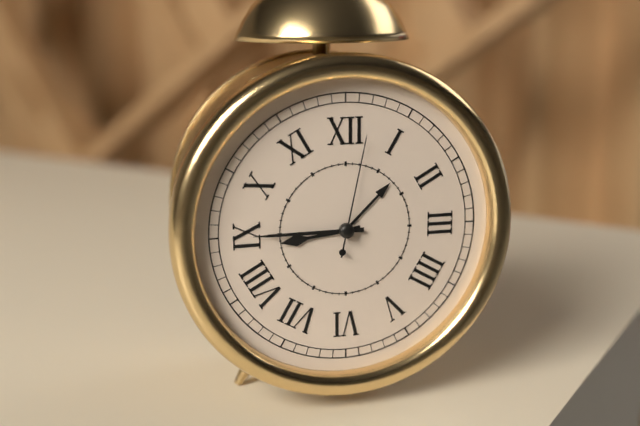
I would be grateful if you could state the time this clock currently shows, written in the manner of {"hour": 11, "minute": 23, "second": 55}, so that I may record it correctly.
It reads {"hour": 8, "minute": 45, "second": 2}
